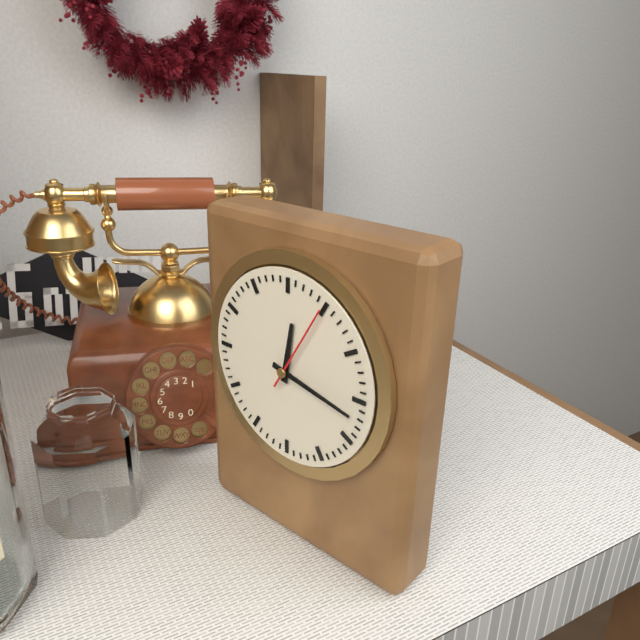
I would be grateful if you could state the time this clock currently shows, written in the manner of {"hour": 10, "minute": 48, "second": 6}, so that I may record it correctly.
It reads {"hour": 12, "minute": 17, "second": 5}
